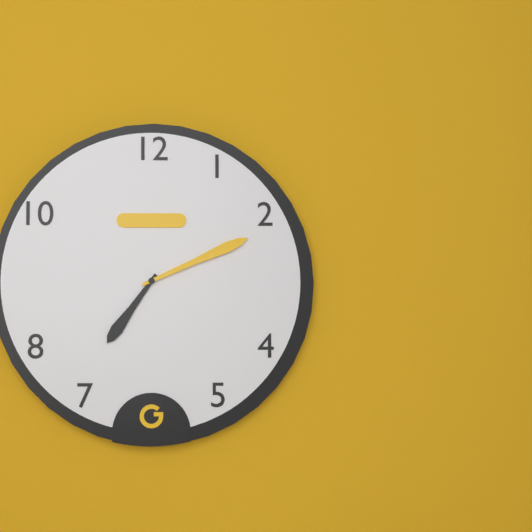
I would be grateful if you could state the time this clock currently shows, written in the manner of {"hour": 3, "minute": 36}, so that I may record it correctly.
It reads {"hour": 7, "minute": 11}
